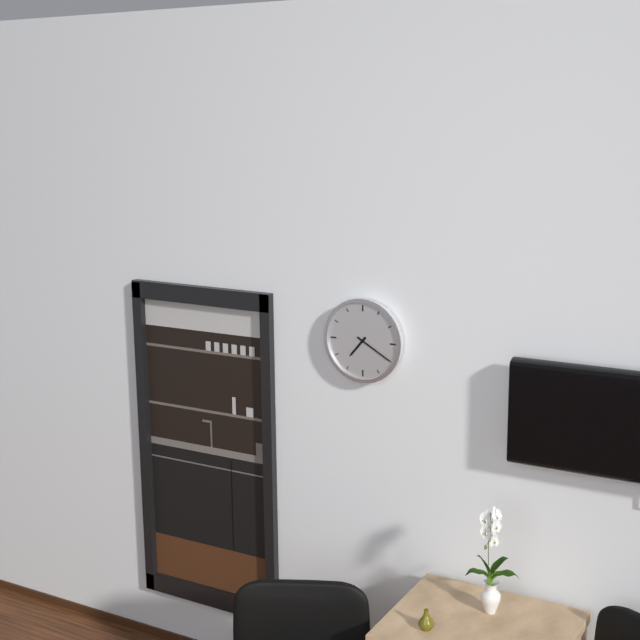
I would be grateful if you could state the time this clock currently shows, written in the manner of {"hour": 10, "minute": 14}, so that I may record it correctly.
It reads {"hour": 7, "minute": 20}
